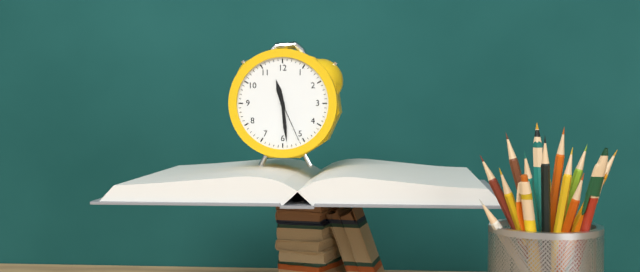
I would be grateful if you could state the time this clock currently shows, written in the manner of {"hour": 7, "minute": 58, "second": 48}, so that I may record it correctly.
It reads {"hour": 11, "minute": 29, "second": 26}
